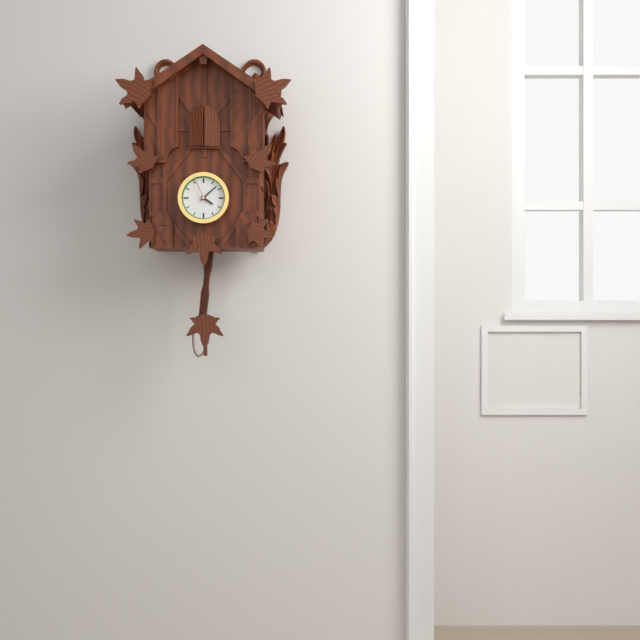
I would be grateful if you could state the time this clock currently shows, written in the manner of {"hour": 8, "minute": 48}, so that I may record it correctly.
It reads {"hour": 4, "minute": 8}
